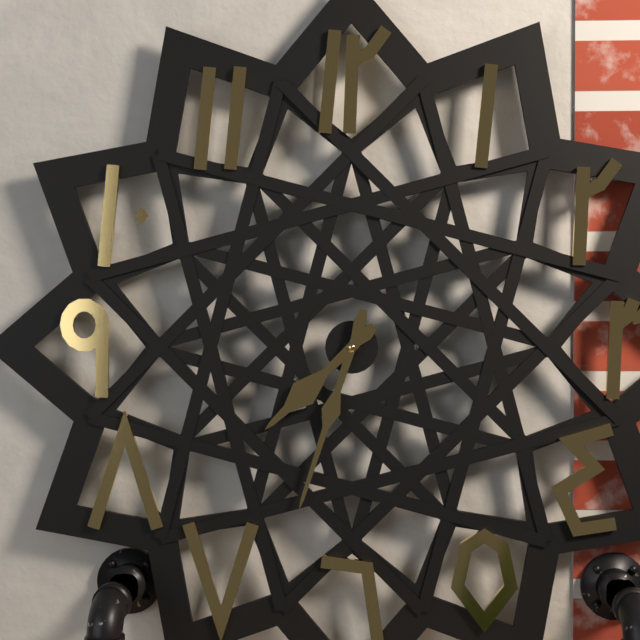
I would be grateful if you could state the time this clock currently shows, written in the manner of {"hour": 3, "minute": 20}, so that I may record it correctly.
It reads {"hour": 7, "minute": 33}
